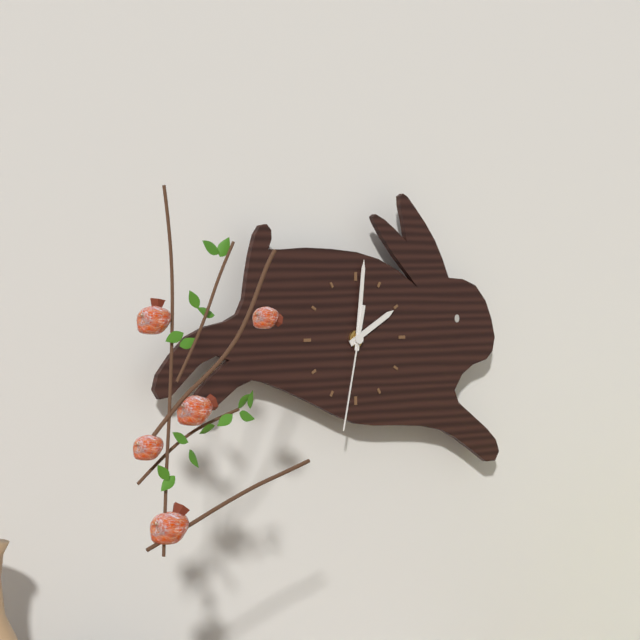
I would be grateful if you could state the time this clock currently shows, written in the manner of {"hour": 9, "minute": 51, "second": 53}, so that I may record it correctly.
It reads {"hour": 2, "minute": 1, "second": 32}
